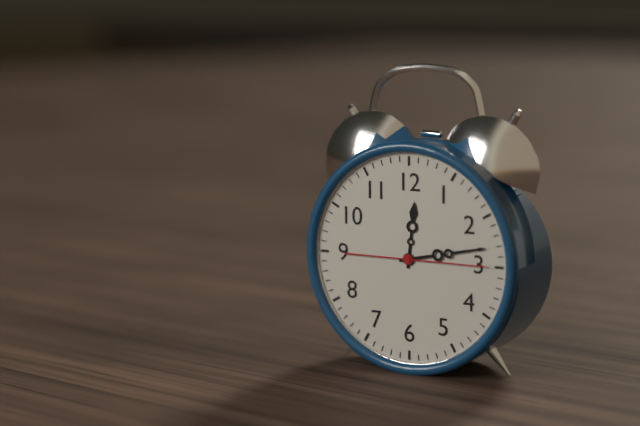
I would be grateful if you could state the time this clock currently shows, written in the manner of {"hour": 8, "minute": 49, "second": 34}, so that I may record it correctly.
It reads {"hour": 12, "minute": 13, "second": 15}
